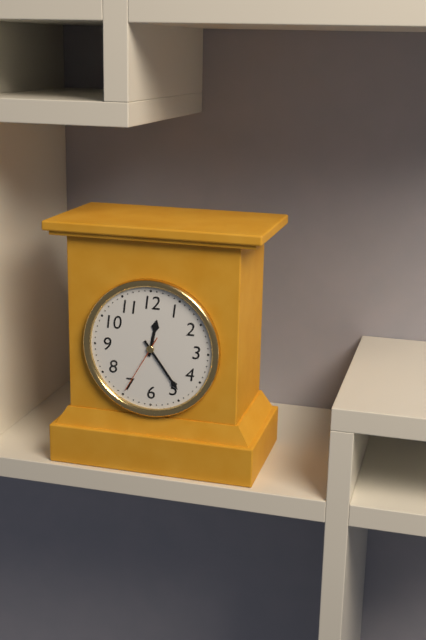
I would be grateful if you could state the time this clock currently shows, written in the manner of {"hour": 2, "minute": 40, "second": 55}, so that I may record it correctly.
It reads {"hour": 12, "minute": 24, "second": 35}
